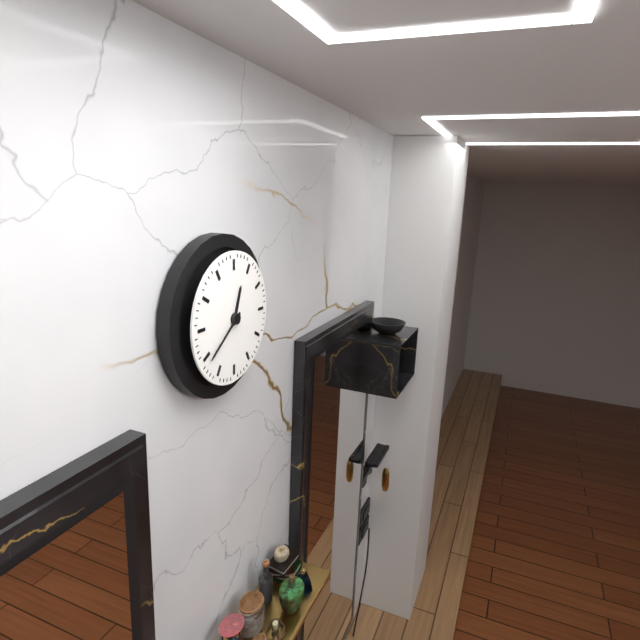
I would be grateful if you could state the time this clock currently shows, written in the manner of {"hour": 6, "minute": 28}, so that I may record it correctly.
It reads {"hour": 12, "minute": 39}
